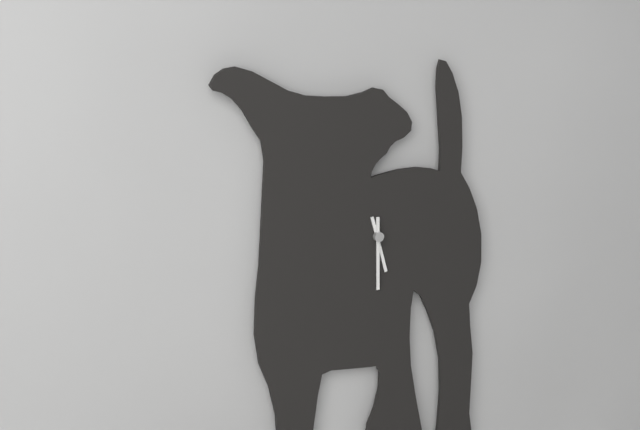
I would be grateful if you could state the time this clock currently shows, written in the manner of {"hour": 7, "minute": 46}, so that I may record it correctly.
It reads {"hour": 5, "minute": 30}
